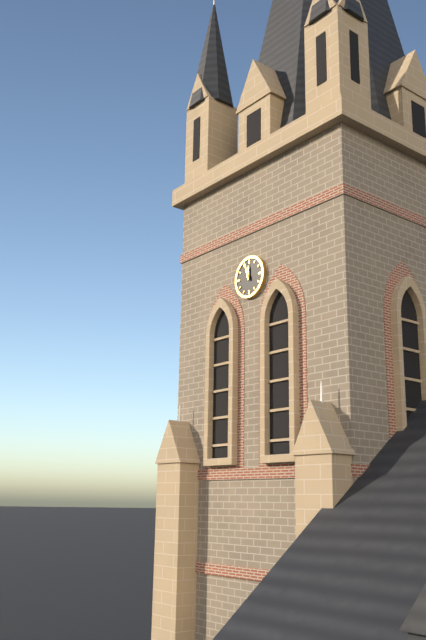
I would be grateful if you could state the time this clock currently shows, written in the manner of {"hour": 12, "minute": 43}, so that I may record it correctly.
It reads {"hour": 11, "minute": 57}
